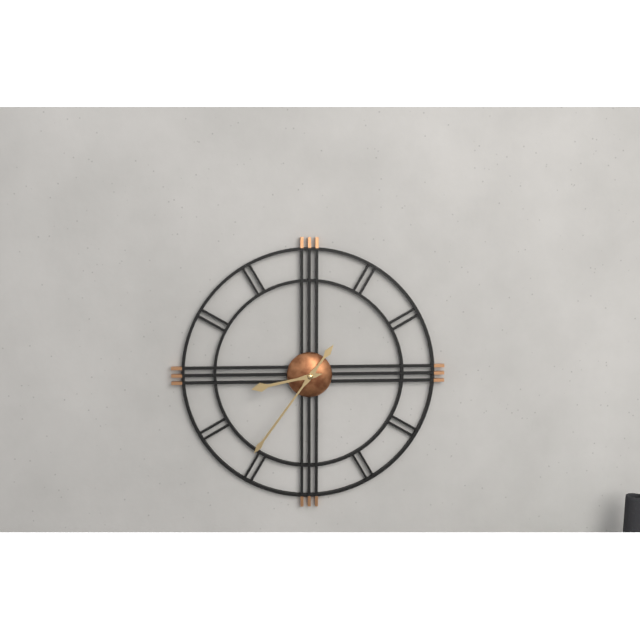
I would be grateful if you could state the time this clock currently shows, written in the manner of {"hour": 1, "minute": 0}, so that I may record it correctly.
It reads {"hour": 8, "minute": 36}
